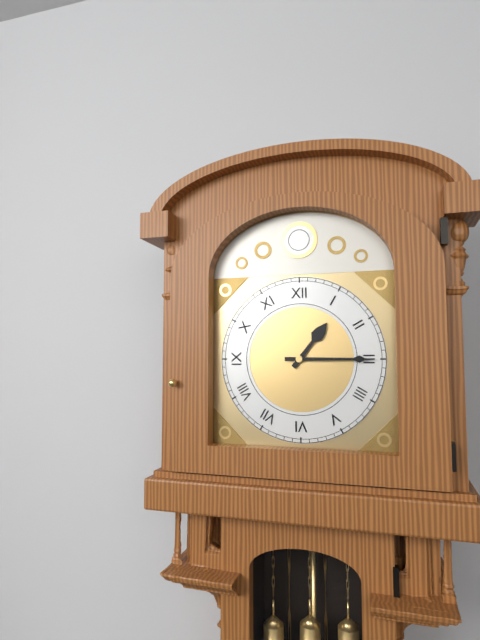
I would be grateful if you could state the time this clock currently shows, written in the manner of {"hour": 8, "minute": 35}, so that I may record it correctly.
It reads {"hour": 1, "minute": 15}
